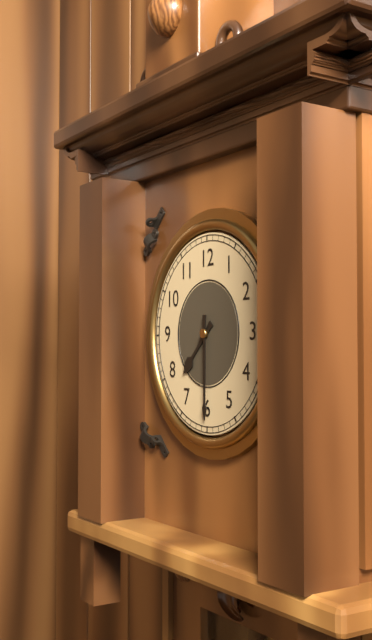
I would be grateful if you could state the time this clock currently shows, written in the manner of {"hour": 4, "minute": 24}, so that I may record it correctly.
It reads {"hour": 7, "minute": 30}
